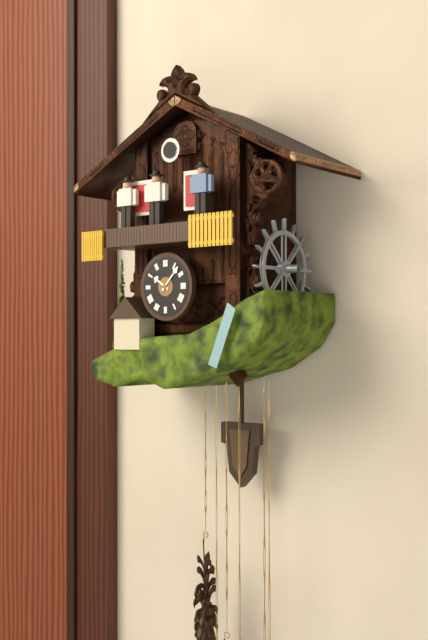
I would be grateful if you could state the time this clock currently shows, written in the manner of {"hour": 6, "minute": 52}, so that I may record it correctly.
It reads {"hour": 10, "minute": 7}
